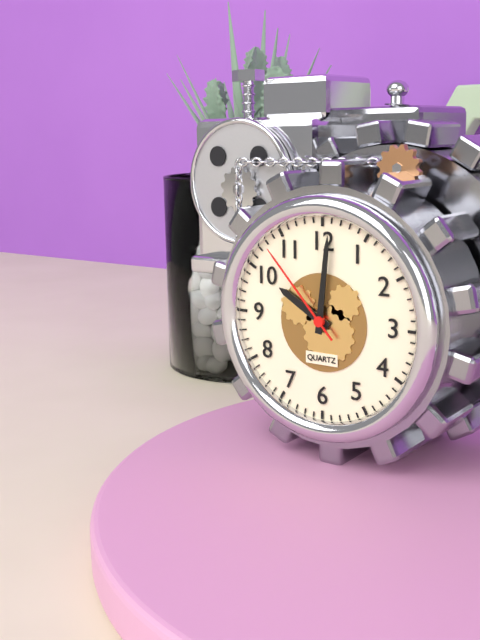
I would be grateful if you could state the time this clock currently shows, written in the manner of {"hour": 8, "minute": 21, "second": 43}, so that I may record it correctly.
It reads {"hour": 10, "minute": 1, "second": 53}
